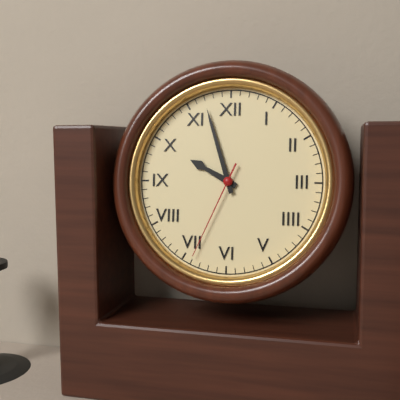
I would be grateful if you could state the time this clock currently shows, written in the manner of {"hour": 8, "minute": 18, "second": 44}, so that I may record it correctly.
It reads {"hour": 9, "minute": 57, "second": 34}
